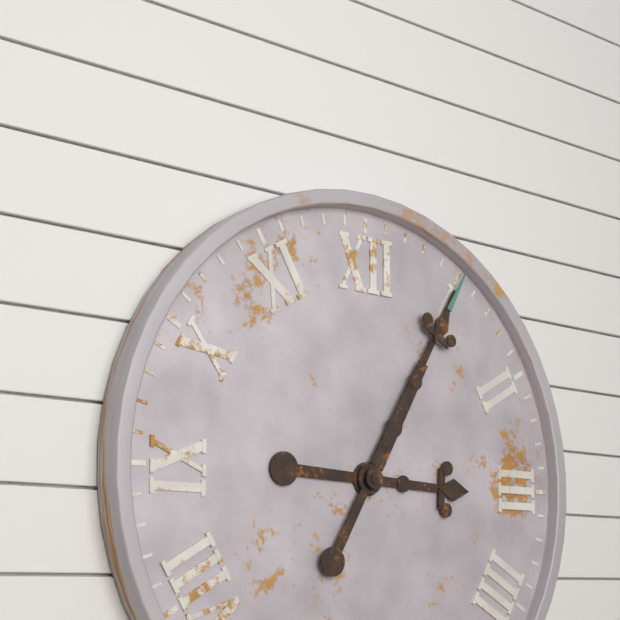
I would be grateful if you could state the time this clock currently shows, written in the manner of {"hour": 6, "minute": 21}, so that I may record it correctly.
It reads {"hour": 3, "minute": 5}
